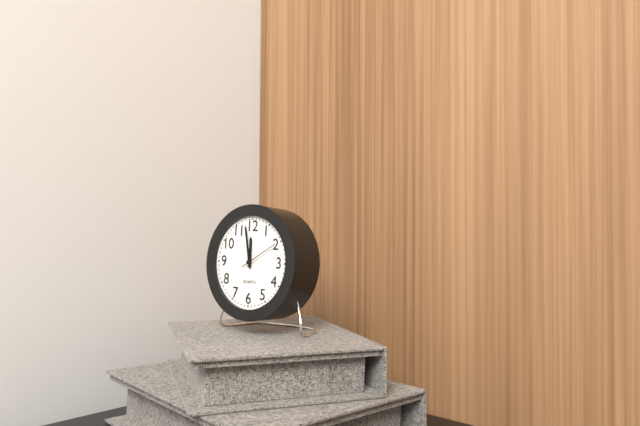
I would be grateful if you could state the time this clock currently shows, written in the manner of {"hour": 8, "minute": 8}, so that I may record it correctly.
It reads {"hour": 11, "minute": 58}
